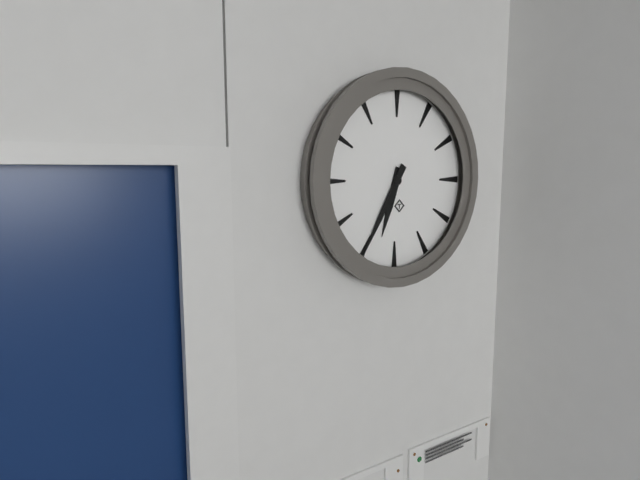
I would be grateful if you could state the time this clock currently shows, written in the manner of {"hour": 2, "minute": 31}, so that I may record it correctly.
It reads {"hour": 6, "minute": 35}
